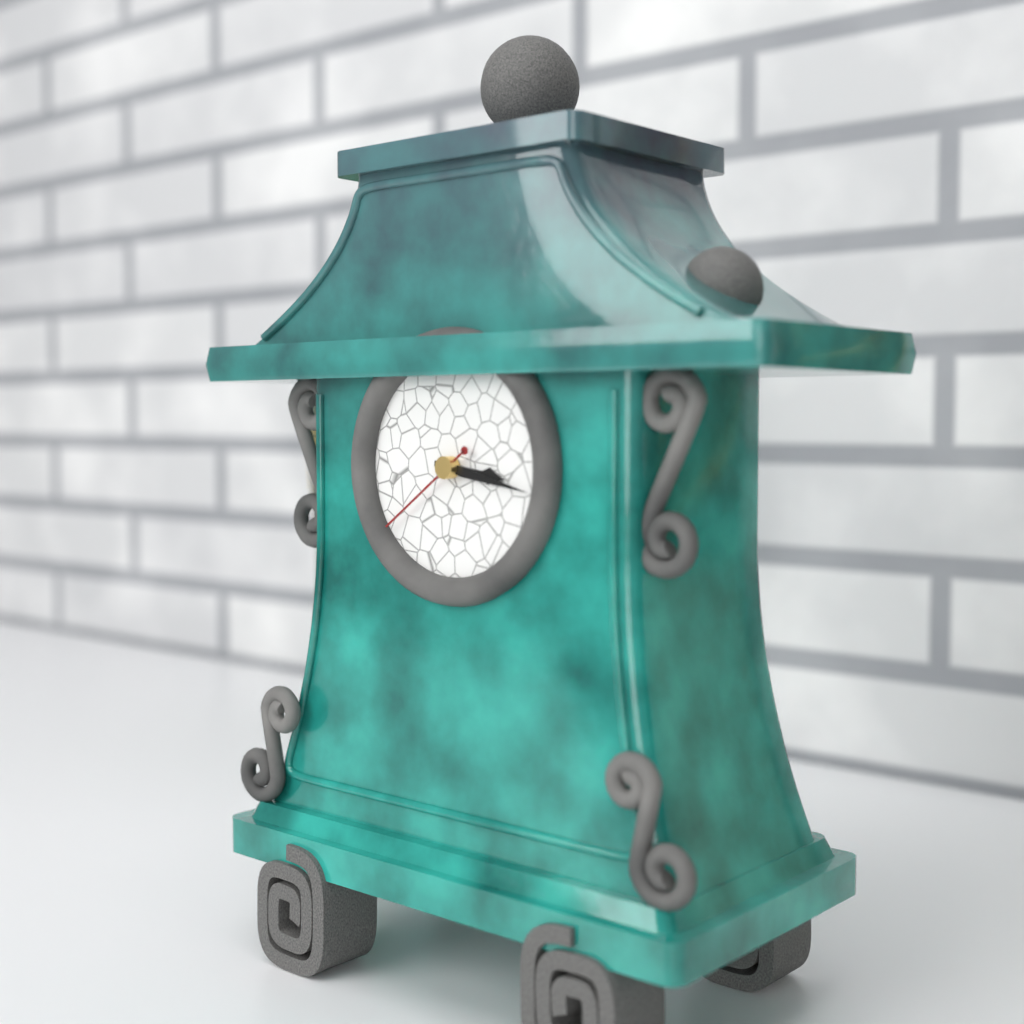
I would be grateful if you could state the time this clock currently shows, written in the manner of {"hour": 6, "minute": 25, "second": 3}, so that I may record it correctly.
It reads {"hour": 3, "minute": 17, "second": 39}
